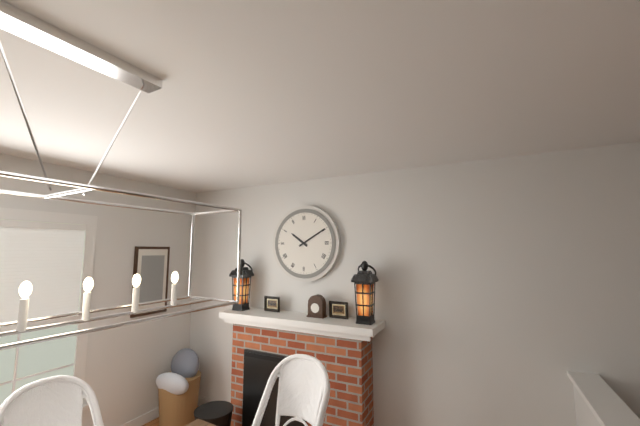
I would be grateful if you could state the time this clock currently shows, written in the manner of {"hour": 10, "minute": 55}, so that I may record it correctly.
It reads {"hour": 10, "minute": 10}
